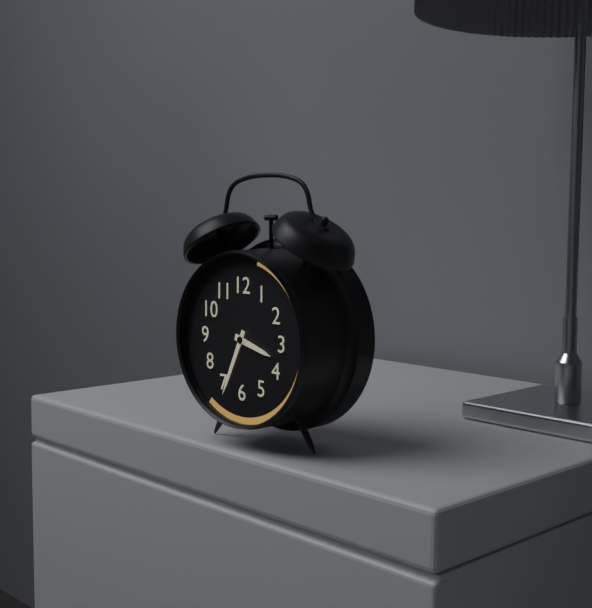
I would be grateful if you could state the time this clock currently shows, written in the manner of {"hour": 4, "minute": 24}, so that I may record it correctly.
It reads {"hour": 3, "minute": 34}
